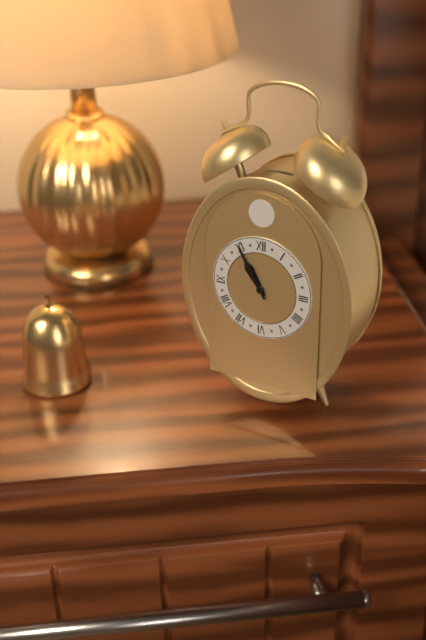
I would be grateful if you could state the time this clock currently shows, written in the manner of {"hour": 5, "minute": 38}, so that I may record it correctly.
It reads {"hour": 10, "minute": 55}
